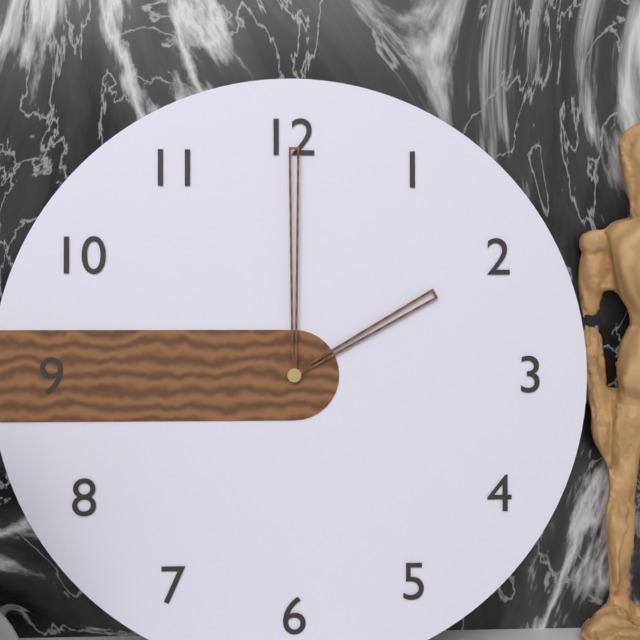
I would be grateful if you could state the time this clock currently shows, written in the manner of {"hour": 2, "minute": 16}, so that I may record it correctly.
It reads {"hour": 2, "minute": 0}
